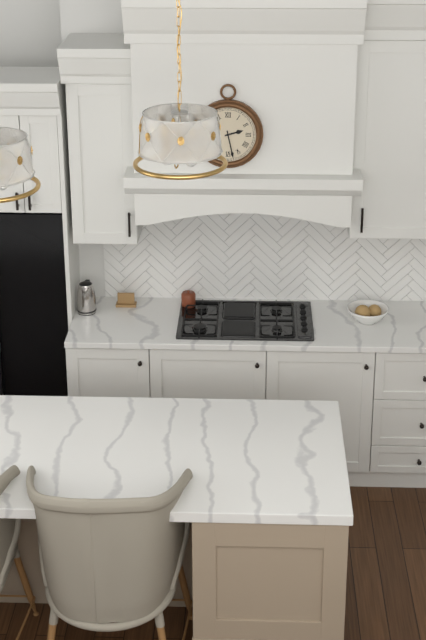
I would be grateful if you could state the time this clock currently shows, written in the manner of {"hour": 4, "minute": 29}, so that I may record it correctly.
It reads {"hour": 2, "minute": 28}
